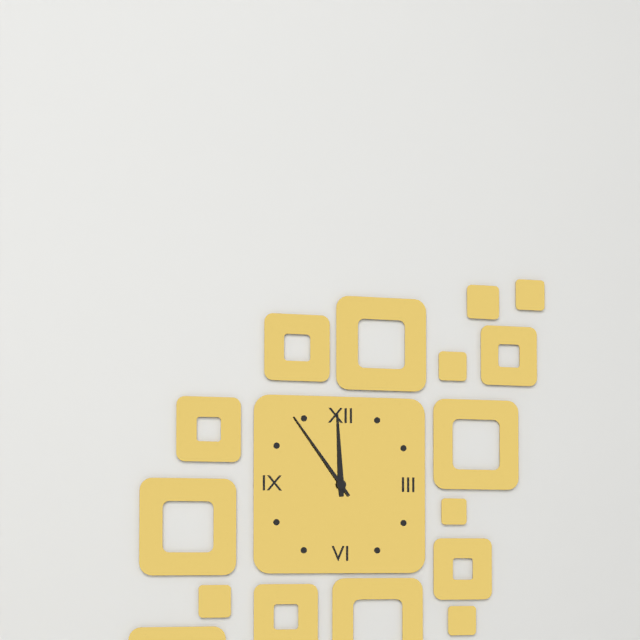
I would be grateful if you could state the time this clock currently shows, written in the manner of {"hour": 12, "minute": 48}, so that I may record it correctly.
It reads {"hour": 11, "minute": 54}
